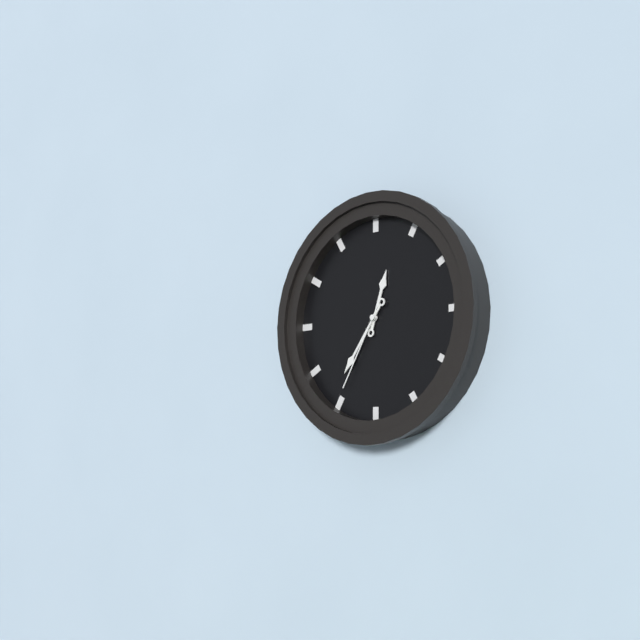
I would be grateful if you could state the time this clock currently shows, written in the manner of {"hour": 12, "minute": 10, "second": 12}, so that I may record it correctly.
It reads {"hour": 12, "minute": 36, "second": 35}
